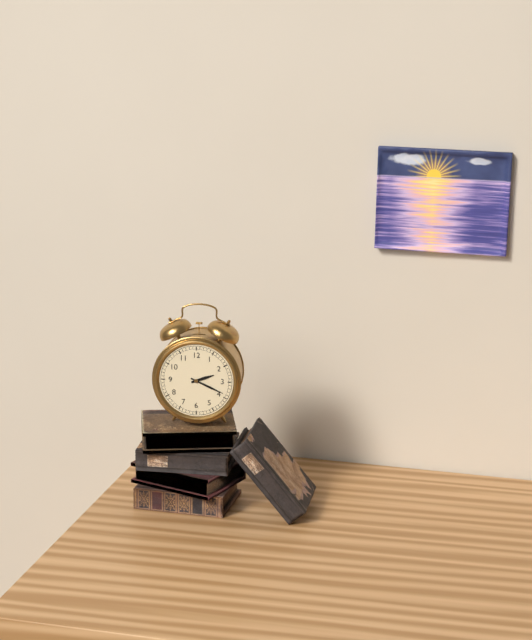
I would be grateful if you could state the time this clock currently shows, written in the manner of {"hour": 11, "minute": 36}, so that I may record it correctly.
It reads {"hour": 2, "minute": 19}
